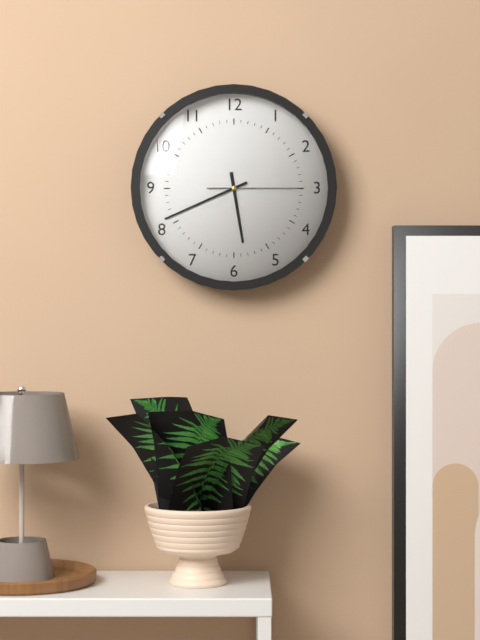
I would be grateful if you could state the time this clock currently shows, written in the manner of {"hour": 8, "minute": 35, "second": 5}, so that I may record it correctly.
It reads {"hour": 5, "minute": 41, "second": 15}
